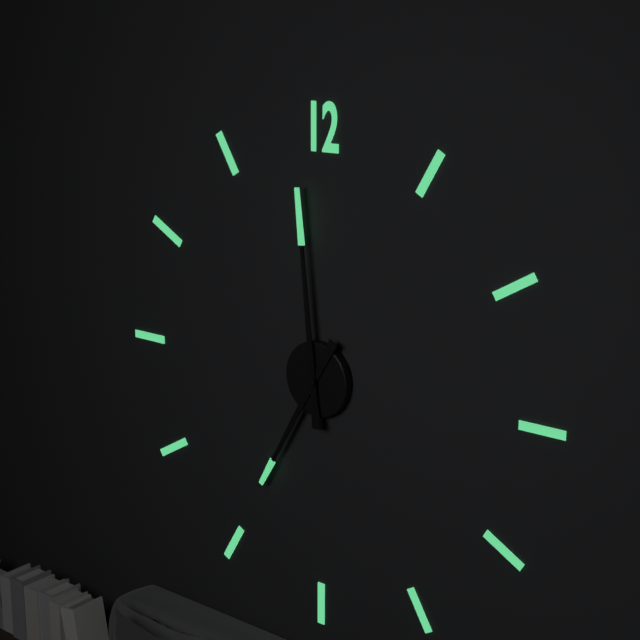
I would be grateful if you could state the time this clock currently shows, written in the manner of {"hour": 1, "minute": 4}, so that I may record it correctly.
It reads {"hour": 6, "minute": 59}
